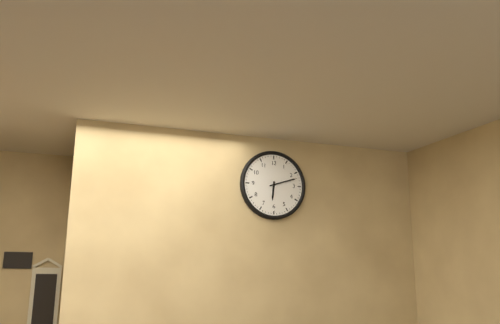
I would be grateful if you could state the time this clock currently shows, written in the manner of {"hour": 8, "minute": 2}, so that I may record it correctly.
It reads {"hour": 6, "minute": 12}
